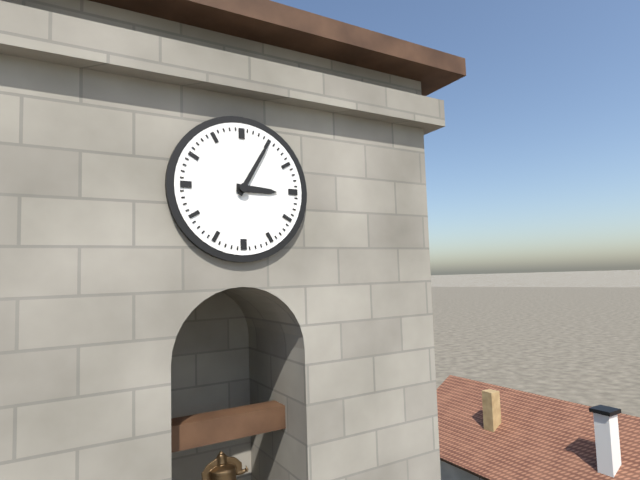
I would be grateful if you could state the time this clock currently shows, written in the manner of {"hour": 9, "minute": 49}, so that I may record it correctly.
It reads {"hour": 3, "minute": 5}
